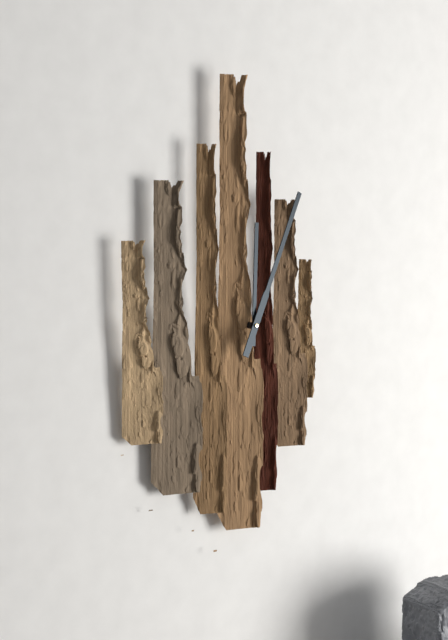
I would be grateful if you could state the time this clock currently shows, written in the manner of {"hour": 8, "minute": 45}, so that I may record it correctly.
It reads {"hour": 12, "minute": 4}
